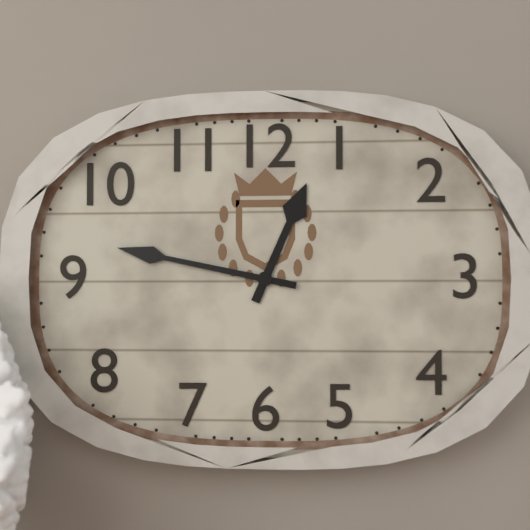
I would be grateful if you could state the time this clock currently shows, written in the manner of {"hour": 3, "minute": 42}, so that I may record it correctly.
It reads {"hour": 12, "minute": 47}
